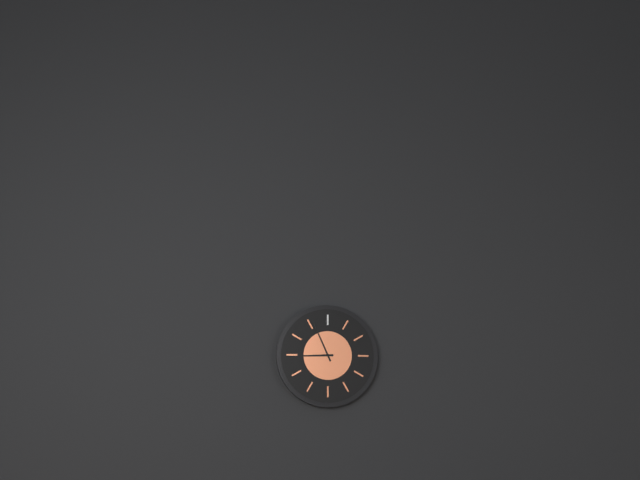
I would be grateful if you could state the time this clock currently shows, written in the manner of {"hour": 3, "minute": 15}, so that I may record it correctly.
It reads {"hour": 8, "minute": 56}
